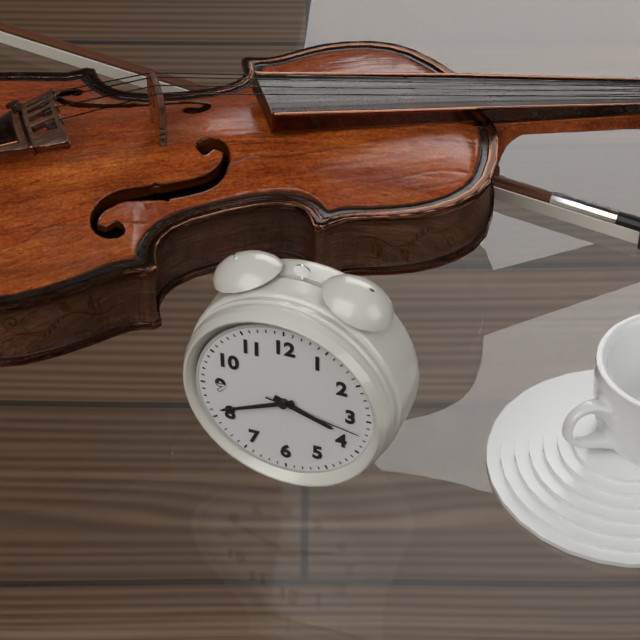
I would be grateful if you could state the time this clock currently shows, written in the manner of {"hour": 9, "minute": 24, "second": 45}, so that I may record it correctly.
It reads {"hour": 3, "minute": 41, "second": 17}
